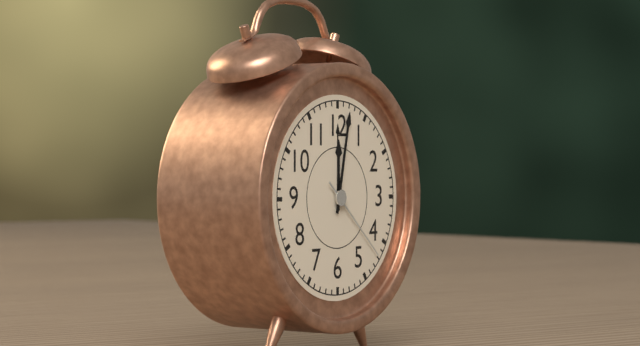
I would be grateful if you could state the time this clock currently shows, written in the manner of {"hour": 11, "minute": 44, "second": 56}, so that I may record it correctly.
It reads {"hour": 12, "minute": 2, "second": 22}
